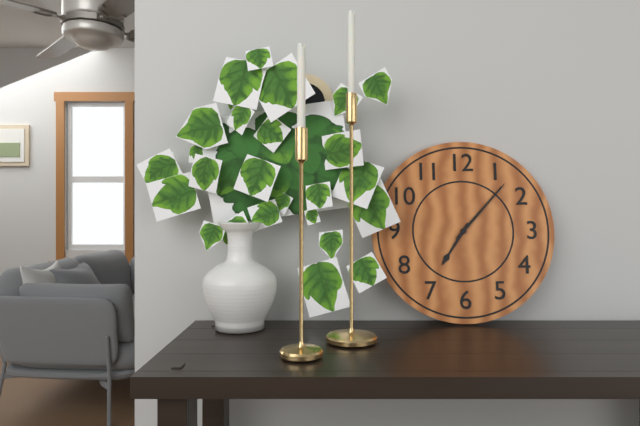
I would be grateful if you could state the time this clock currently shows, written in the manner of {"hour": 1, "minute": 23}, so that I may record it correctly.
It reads {"hour": 7, "minute": 7}
